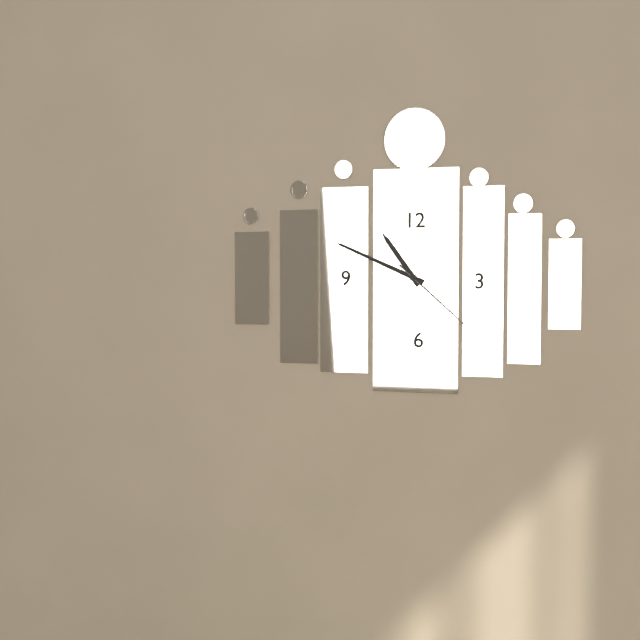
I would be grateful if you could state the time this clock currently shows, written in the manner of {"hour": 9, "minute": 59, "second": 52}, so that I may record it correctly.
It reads {"hour": 10, "minute": 49, "second": 22}
